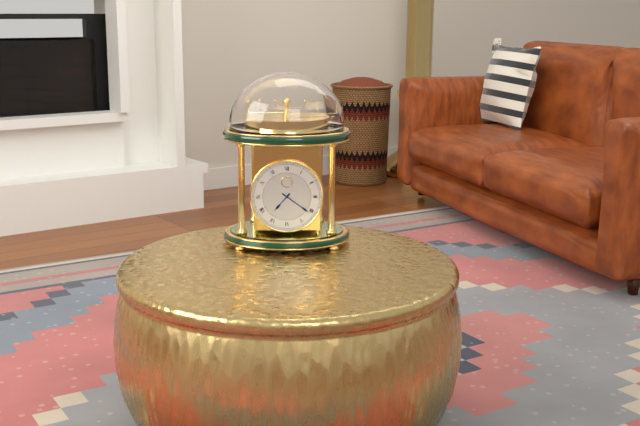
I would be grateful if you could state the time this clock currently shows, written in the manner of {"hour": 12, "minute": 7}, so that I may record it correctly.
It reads {"hour": 7, "minute": 21}
